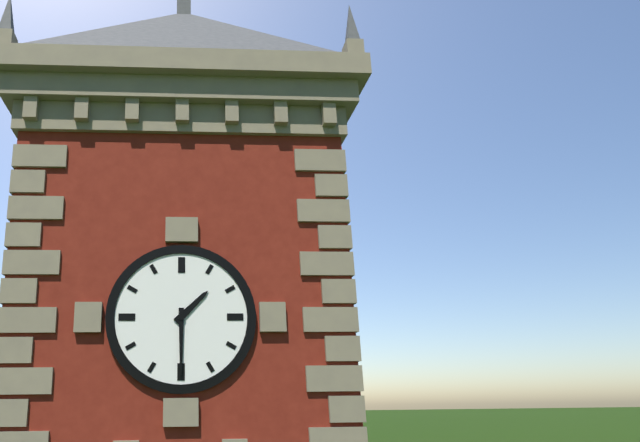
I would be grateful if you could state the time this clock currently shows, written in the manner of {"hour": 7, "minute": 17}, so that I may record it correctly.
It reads {"hour": 1, "minute": 30}
